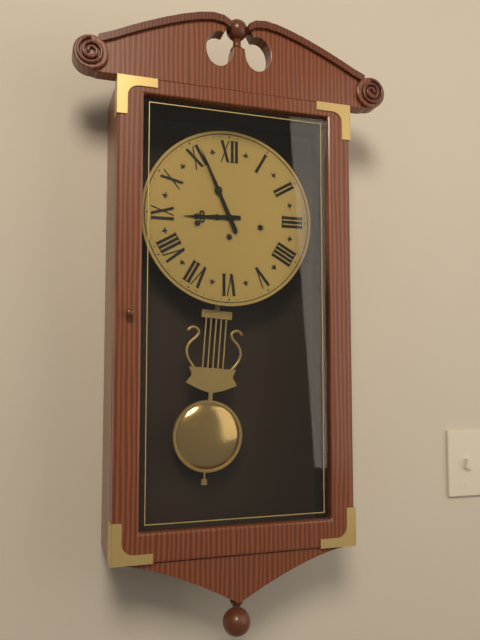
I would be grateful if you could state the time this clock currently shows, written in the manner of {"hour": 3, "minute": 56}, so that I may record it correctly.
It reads {"hour": 8, "minute": 56}
